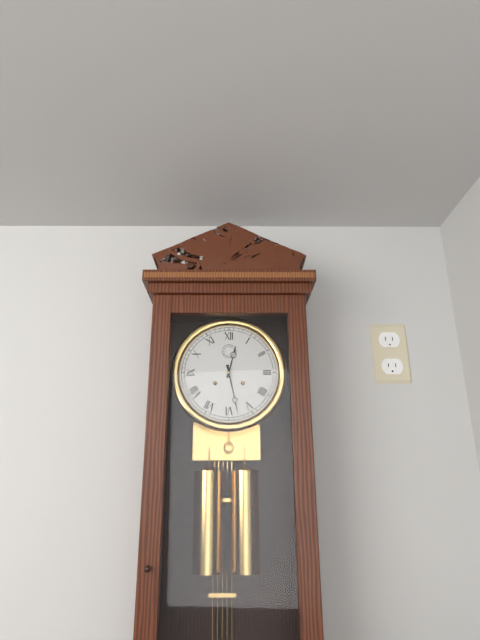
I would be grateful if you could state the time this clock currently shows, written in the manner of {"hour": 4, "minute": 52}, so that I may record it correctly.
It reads {"hour": 12, "minute": 28}
